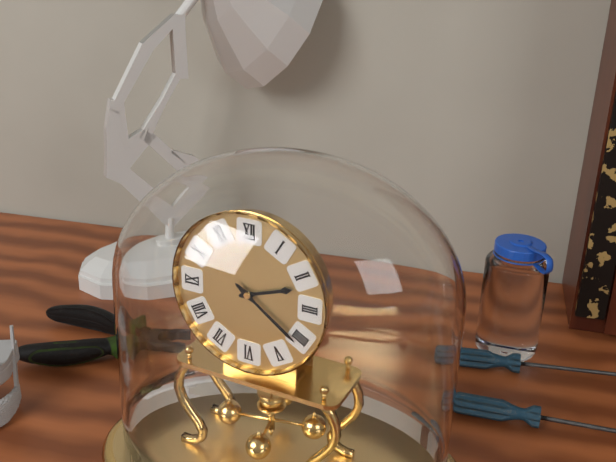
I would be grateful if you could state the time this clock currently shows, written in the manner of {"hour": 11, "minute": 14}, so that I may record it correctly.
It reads {"hour": 2, "minute": 21}
